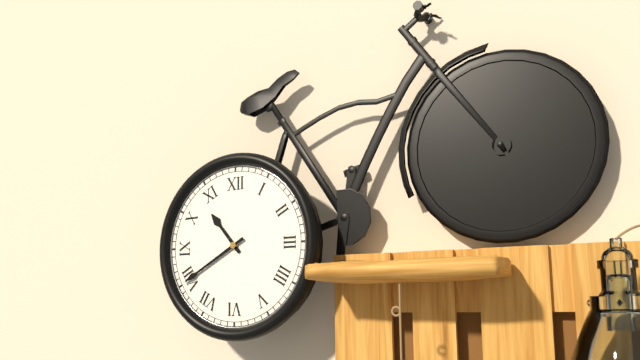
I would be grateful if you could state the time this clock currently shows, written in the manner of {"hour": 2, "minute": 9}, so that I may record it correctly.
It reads {"hour": 10, "minute": 40}
